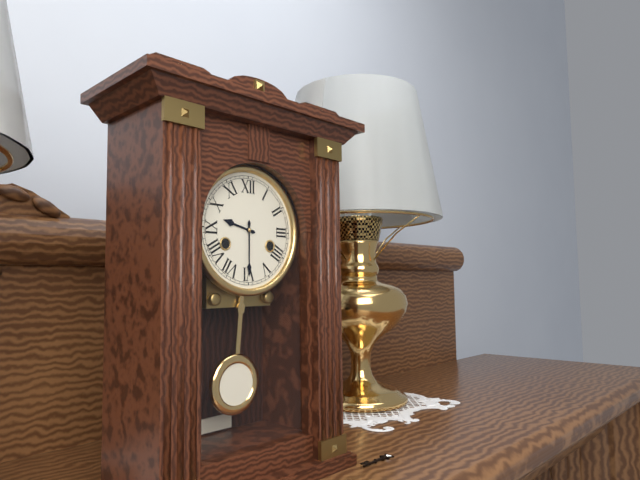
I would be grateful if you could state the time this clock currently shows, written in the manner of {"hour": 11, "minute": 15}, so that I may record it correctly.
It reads {"hour": 9, "minute": 30}
